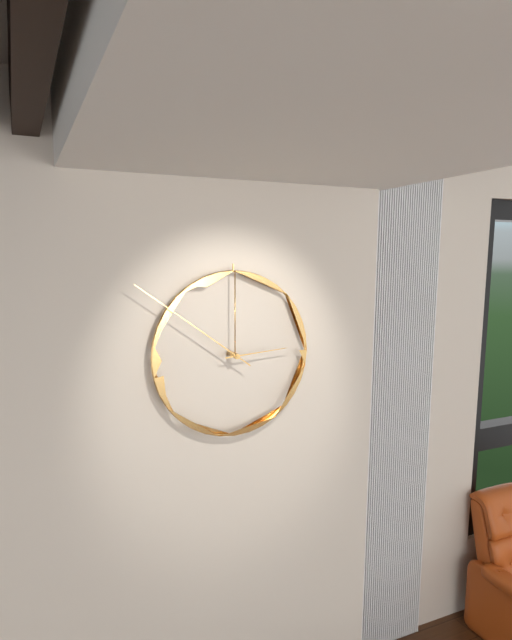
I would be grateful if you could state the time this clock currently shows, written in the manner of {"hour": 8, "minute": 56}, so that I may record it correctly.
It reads {"hour": 2, "minute": 51}
